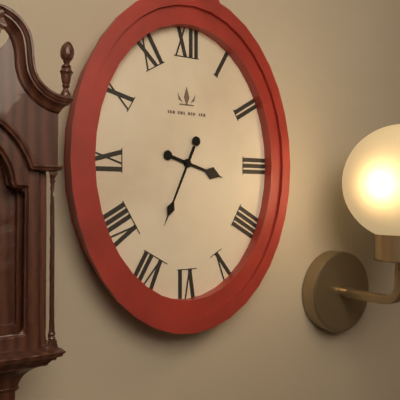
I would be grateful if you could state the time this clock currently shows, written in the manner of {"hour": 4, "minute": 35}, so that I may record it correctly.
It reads {"hour": 3, "minute": 34}
